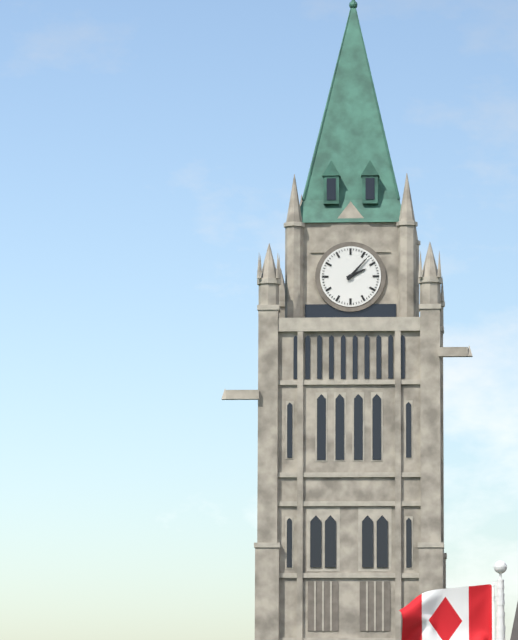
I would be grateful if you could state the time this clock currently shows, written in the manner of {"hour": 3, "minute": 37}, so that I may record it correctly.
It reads {"hour": 2, "minute": 7}
